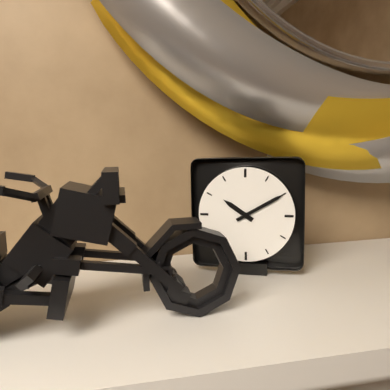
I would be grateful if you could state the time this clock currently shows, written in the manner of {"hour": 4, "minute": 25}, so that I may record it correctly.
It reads {"hour": 10, "minute": 10}
